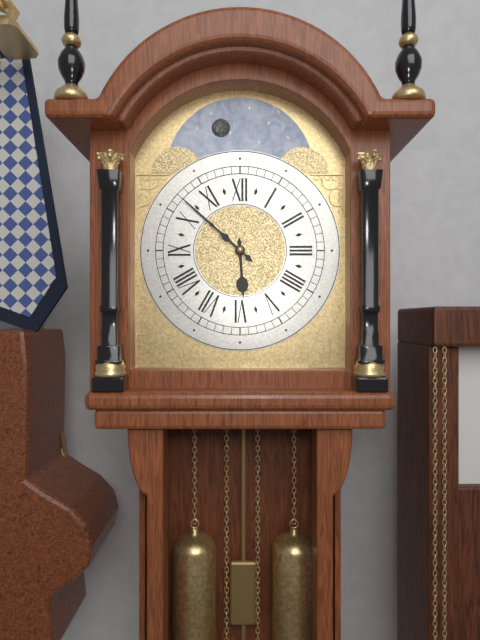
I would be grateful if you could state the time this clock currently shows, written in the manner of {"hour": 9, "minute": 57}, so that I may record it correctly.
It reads {"hour": 5, "minute": 52}
